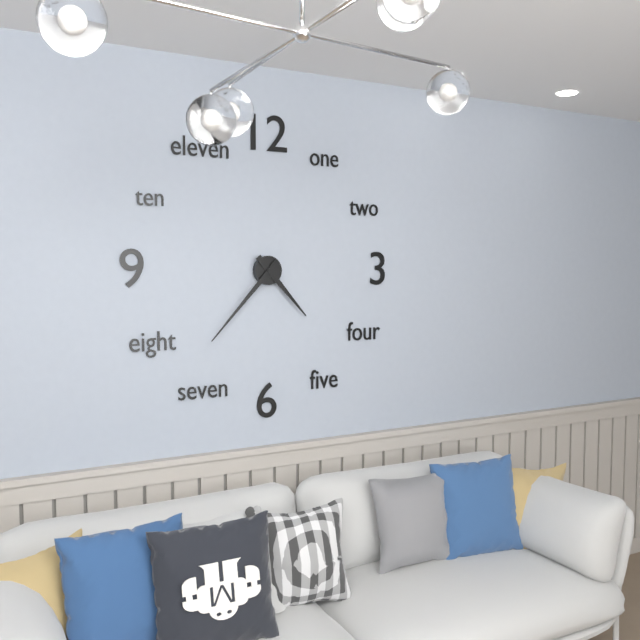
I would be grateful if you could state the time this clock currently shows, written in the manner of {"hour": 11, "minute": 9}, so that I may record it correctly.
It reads {"hour": 4, "minute": 37}
